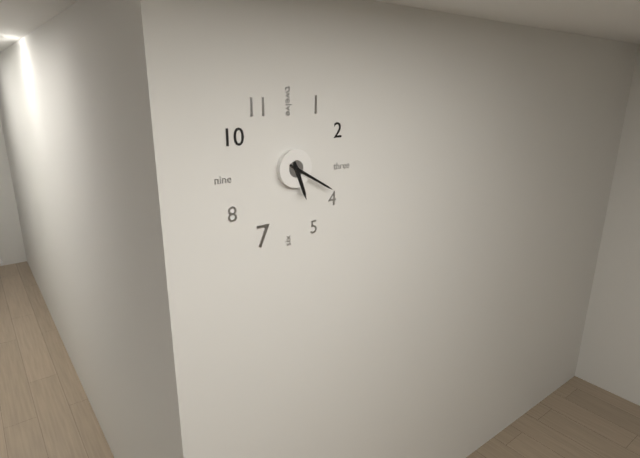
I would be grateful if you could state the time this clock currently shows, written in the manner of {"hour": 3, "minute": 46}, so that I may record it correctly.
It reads {"hour": 5, "minute": 20}
